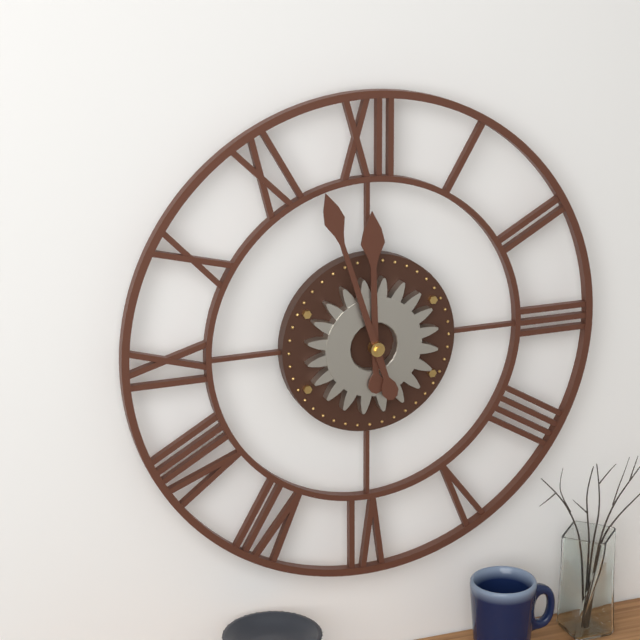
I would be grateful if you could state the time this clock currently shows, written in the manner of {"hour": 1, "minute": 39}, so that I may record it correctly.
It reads {"hour": 11, "minute": 57}
